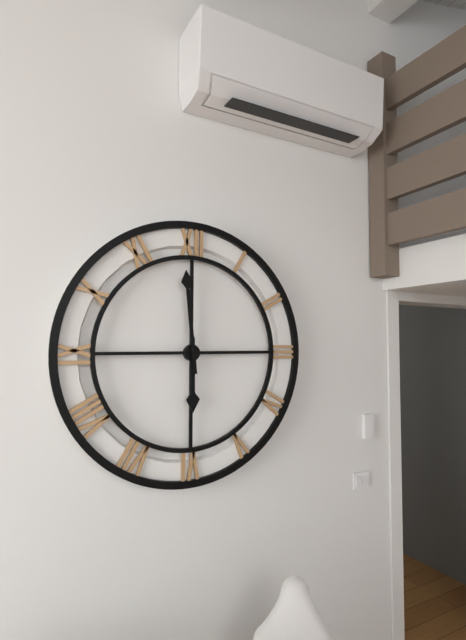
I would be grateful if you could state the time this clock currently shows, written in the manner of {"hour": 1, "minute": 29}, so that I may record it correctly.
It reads {"hour": 5, "minute": 59}
